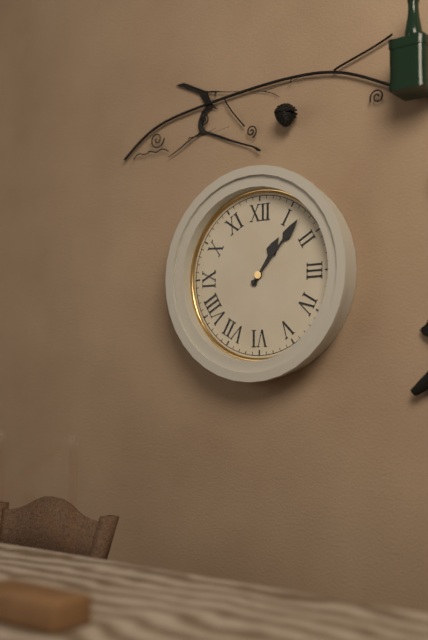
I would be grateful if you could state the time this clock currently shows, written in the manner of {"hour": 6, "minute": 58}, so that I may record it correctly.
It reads {"hour": 1, "minute": 7}
